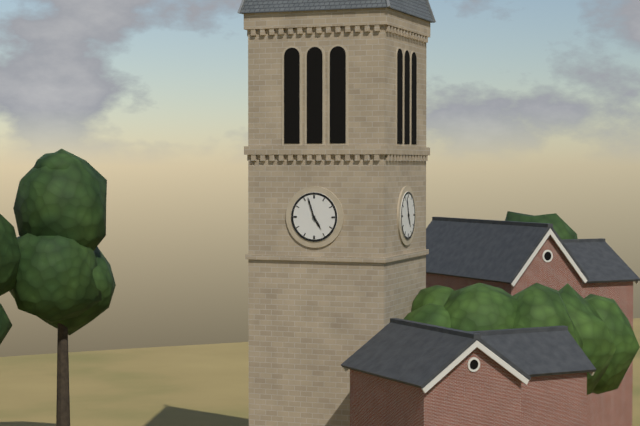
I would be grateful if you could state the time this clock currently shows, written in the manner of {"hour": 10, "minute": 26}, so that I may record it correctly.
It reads {"hour": 4, "minute": 57}
